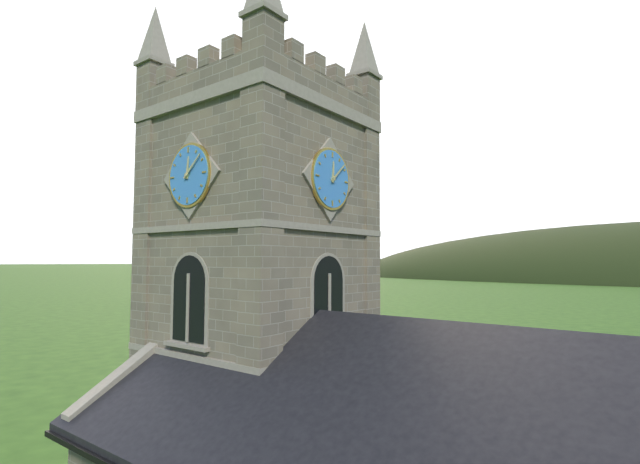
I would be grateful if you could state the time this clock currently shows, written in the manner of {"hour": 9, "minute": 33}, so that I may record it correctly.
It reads {"hour": 12, "minute": 8}
